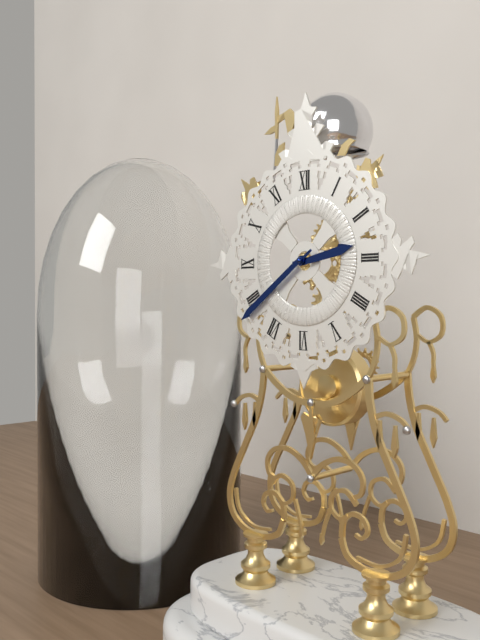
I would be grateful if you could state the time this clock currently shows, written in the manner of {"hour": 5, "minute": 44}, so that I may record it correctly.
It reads {"hour": 2, "minute": 39}
